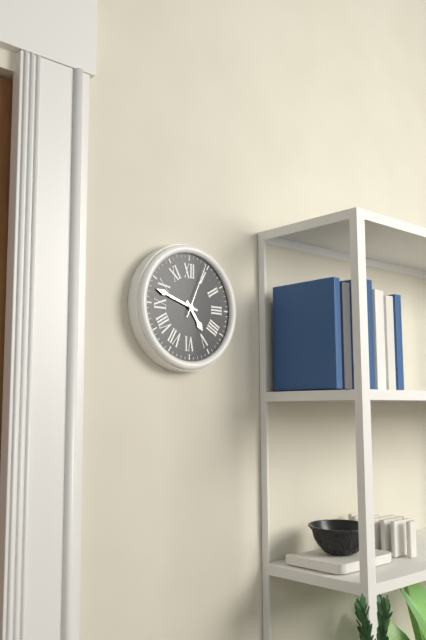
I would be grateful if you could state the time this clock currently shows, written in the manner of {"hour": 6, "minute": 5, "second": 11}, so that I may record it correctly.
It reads {"hour": 4, "minute": 48, "second": 4}
